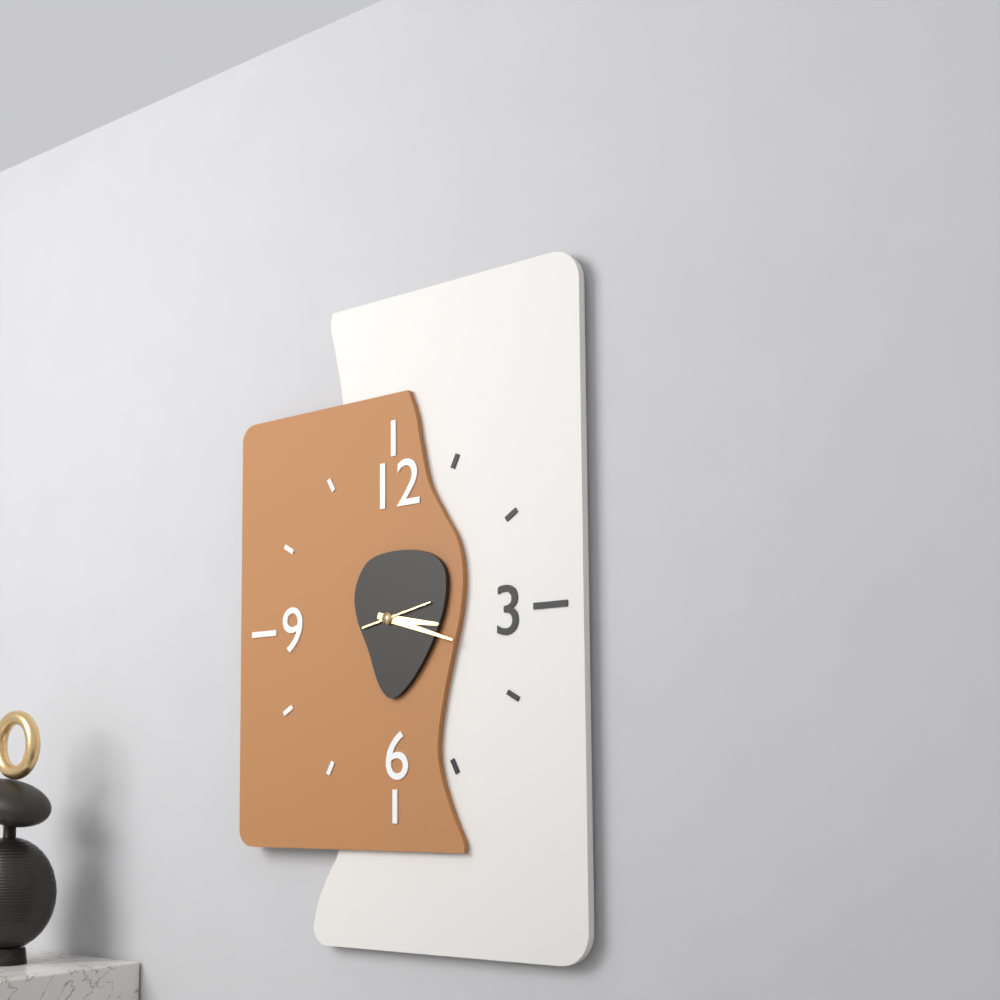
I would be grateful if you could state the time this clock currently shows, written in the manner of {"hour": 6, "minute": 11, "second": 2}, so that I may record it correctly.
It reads {"hour": 3, "minute": 18, "second": 13}
